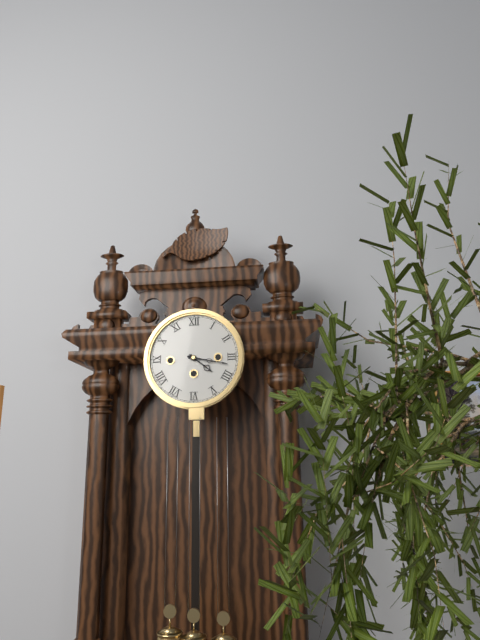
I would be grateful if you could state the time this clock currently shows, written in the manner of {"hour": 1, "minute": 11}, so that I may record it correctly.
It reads {"hour": 4, "minute": 17}
